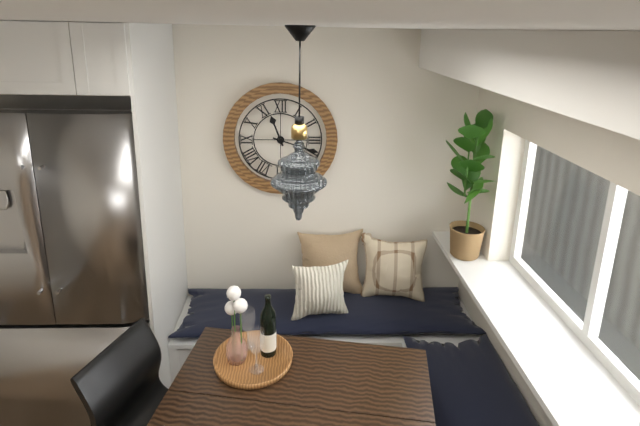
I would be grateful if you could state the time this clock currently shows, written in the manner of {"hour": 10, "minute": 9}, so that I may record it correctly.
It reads {"hour": 11, "minute": 18}
